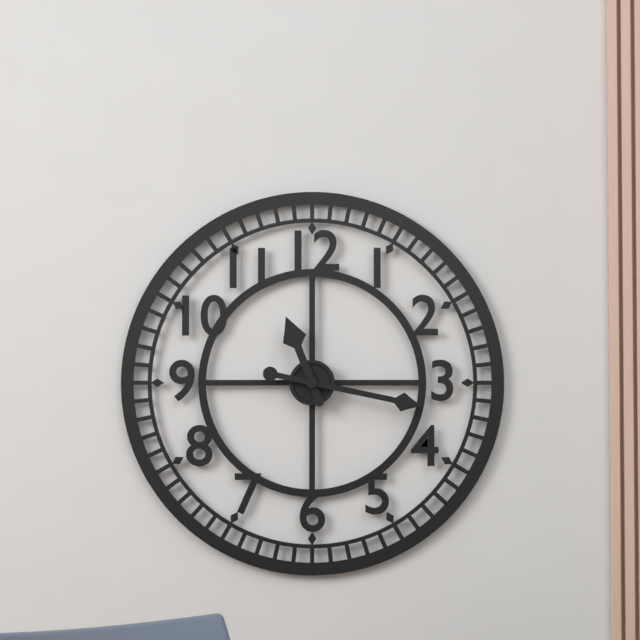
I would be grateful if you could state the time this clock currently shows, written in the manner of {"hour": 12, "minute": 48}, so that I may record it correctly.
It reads {"hour": 11, "minute": 17}
